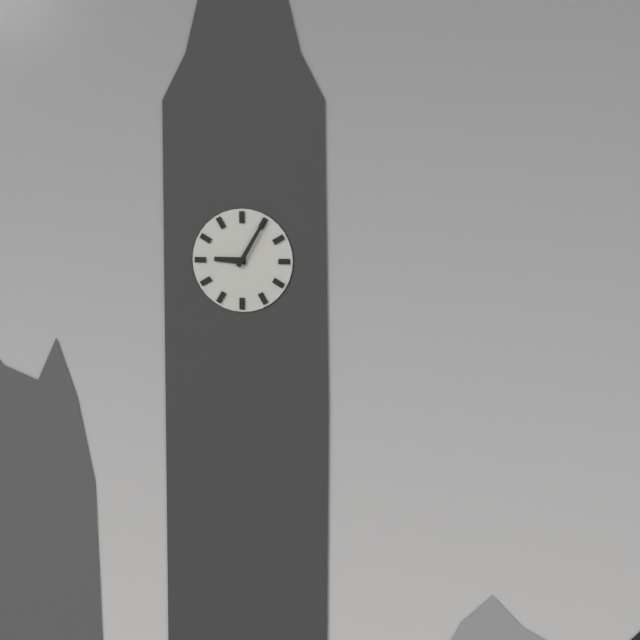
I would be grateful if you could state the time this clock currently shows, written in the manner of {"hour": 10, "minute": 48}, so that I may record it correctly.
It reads {"hour": 9, "minute": 5}
